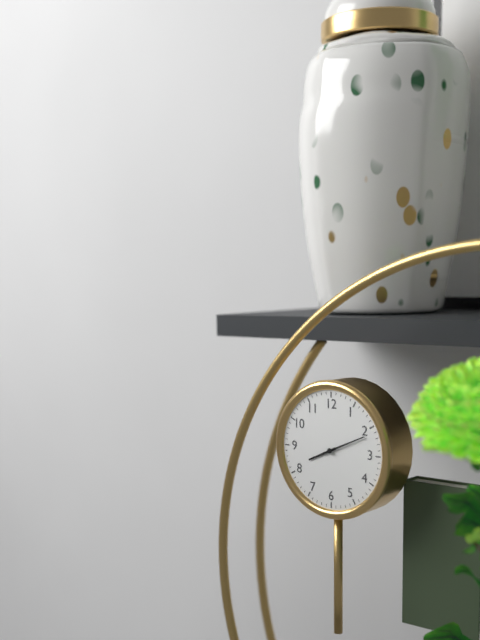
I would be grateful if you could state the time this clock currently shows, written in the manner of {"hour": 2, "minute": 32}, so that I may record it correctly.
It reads {"hour": 8, "minute": 11}
